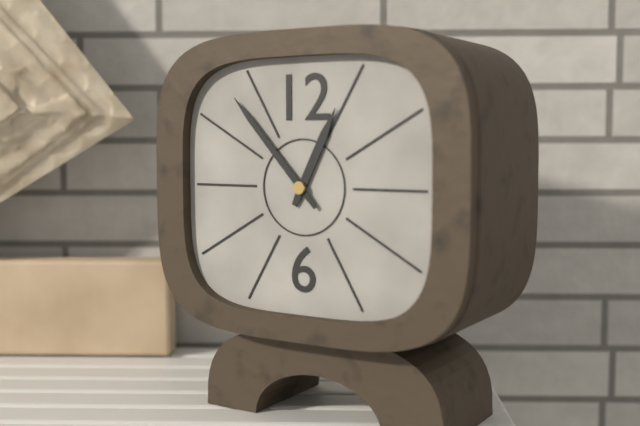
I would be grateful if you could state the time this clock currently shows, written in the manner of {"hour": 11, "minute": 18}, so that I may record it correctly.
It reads {"hour": 12, "minute": 53}
